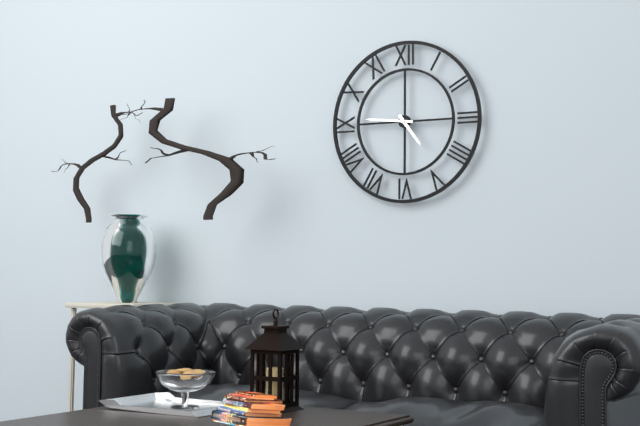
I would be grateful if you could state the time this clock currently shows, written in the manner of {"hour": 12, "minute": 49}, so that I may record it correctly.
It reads {"hour": 4, "minute": 46}
